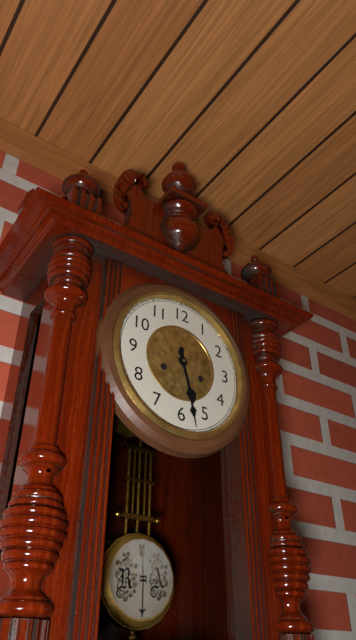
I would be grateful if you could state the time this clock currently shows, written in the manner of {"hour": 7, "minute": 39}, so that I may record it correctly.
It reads {"hour": 5, "minute": 28}
